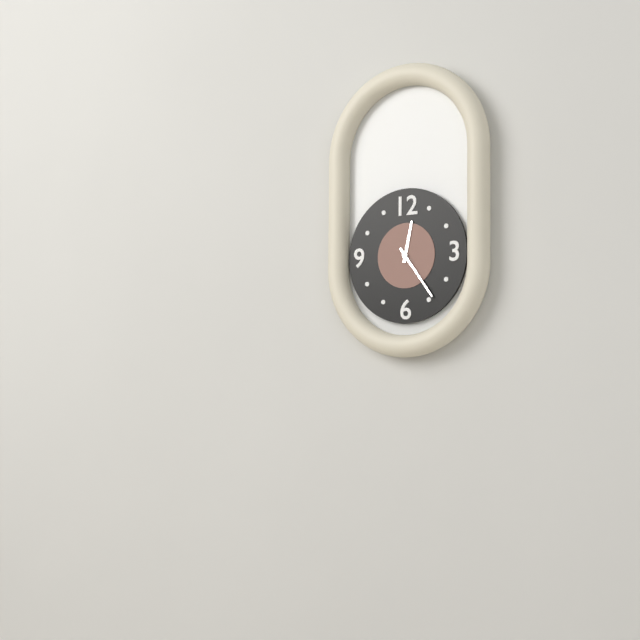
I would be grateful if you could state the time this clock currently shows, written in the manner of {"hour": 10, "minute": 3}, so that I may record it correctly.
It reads {"hour": 12, "minute": 24}
